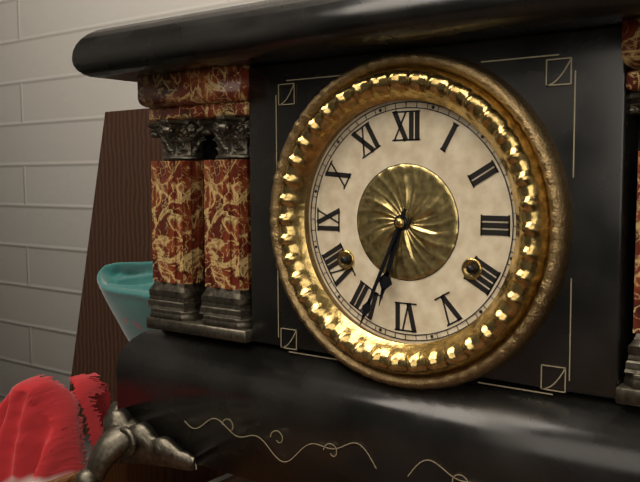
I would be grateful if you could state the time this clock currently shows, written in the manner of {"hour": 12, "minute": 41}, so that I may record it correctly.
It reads {"hour": 6, "minute": 34}
